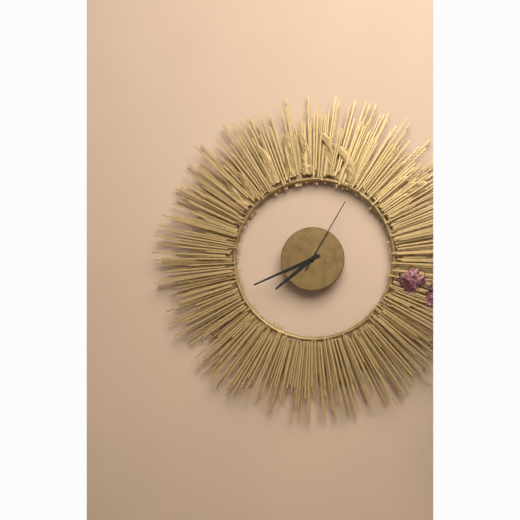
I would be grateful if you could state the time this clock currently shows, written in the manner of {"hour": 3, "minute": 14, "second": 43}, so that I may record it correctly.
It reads {"hour": 7, "minute": 41, "second": 5}
